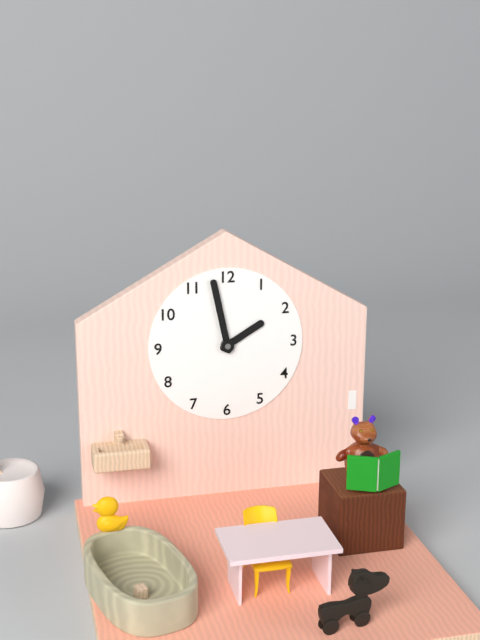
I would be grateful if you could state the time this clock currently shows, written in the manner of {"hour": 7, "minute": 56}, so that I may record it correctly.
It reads {"hour": 1, "minute": 58}
